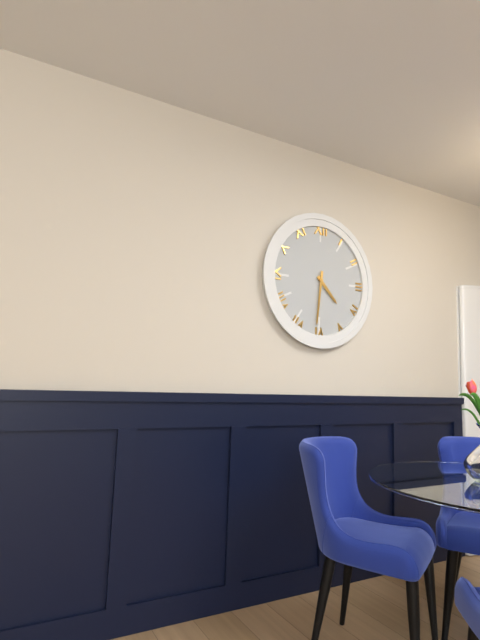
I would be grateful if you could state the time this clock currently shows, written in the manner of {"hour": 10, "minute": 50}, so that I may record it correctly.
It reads {"hour": 4, "minute": 31}
